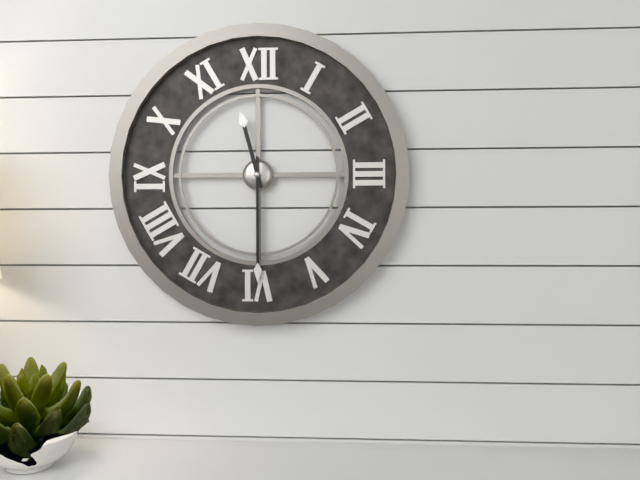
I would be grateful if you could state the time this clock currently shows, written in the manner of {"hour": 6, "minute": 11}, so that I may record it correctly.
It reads {"hour": 11, "minute": 30}
